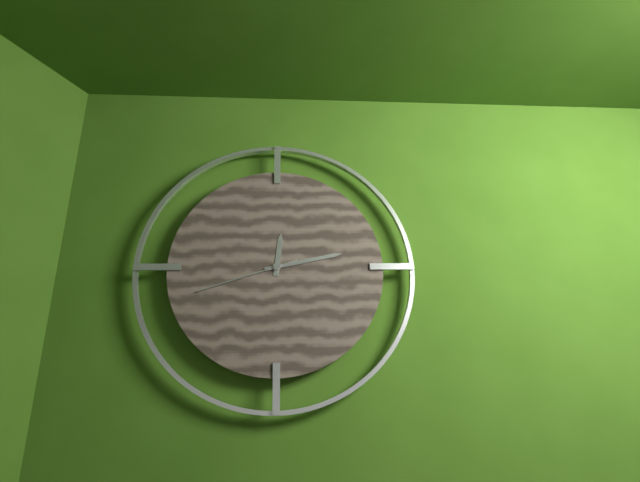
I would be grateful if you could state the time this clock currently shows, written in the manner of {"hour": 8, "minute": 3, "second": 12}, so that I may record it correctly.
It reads {"hour": 12, "minute": 13, "second": 42}
